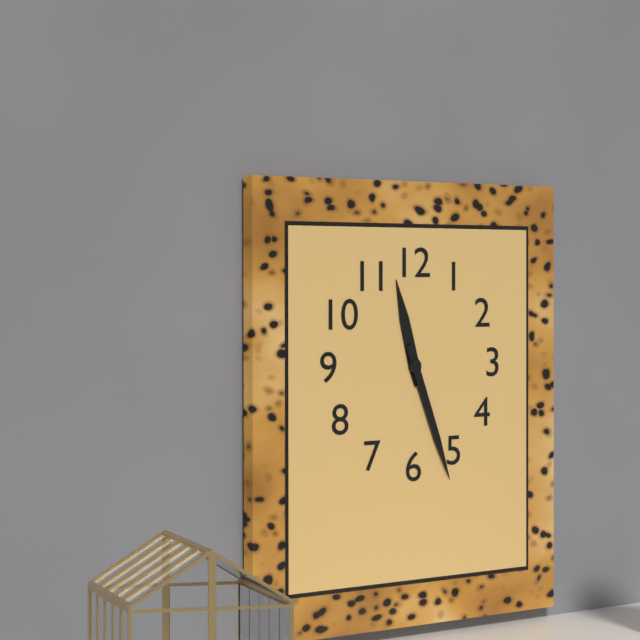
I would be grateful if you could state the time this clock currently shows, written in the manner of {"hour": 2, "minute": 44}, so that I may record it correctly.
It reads {"hour": 11, "minute": 26}
